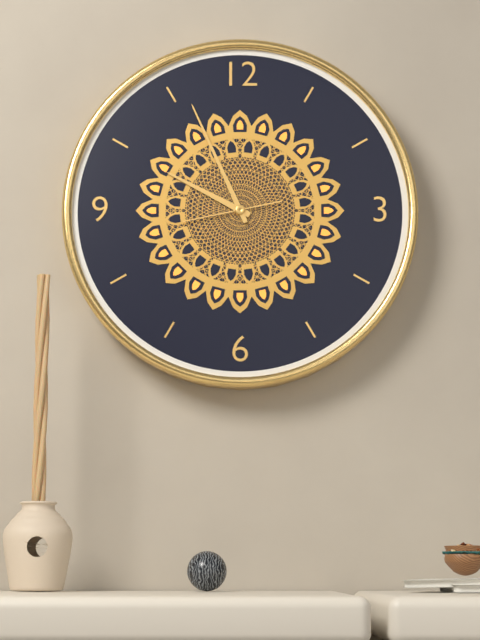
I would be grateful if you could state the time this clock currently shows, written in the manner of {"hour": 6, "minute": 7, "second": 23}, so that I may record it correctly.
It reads {"hour": 9, "minute": 56, "second": 43}
